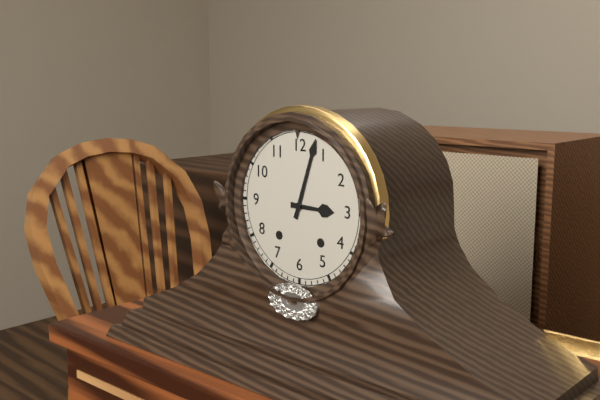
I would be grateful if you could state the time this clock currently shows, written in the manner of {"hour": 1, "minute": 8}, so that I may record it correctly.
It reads {"hour": 3, "minute": 3}
